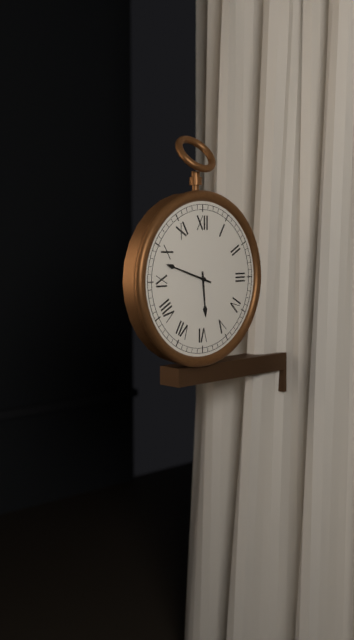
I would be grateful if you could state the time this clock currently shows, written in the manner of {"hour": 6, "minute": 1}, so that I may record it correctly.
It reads {"hour": 5, "minute": 48}
